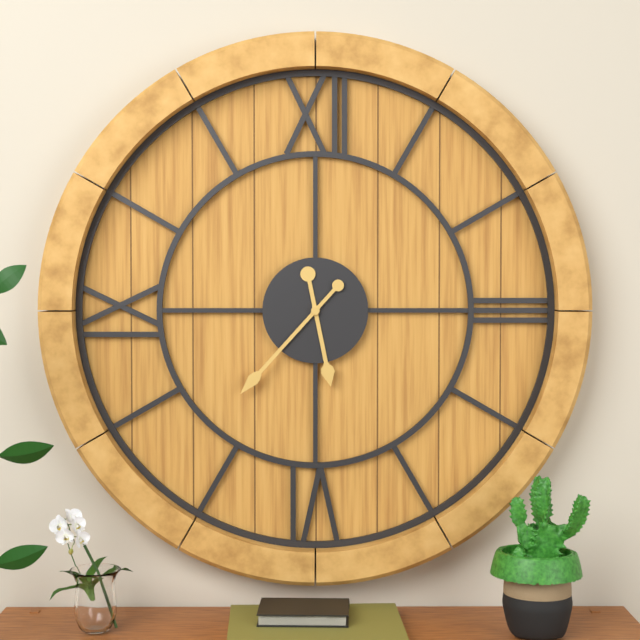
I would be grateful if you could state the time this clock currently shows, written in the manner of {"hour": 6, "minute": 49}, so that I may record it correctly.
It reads {"hour": 5, "minute": 37}
